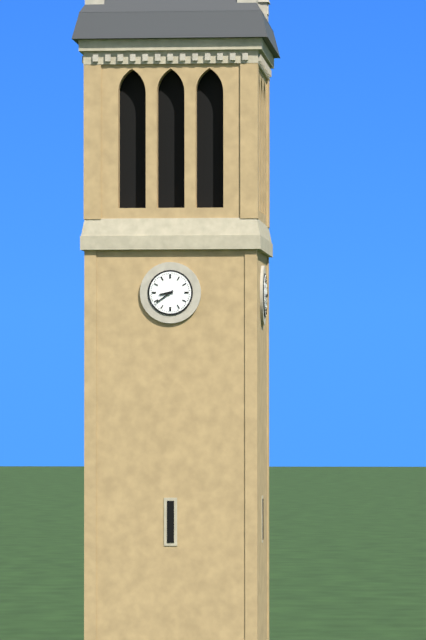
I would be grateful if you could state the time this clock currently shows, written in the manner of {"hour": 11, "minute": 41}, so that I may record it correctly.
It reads {"hour": 8, "minute": 39}
